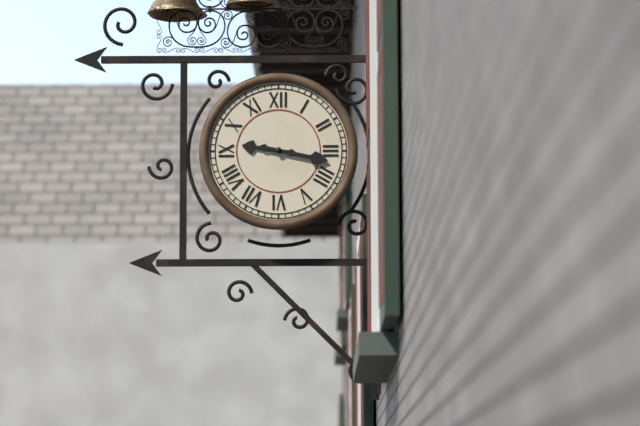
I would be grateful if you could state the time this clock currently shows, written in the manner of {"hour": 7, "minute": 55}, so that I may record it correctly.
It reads {"hour": 9, "minute": 17}
